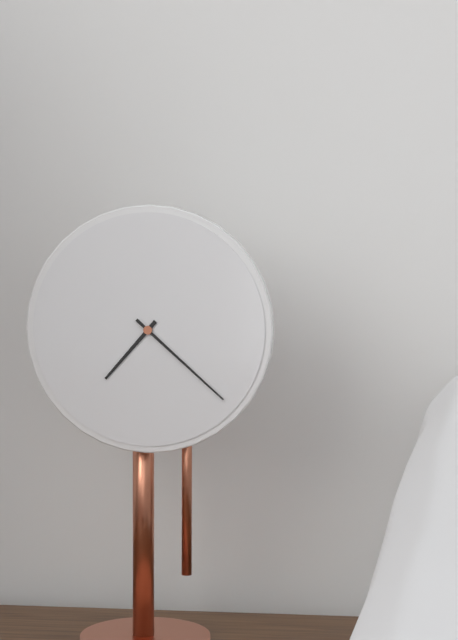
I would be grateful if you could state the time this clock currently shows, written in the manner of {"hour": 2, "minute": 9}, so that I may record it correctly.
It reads {"hour": 7, "minute": 22}
